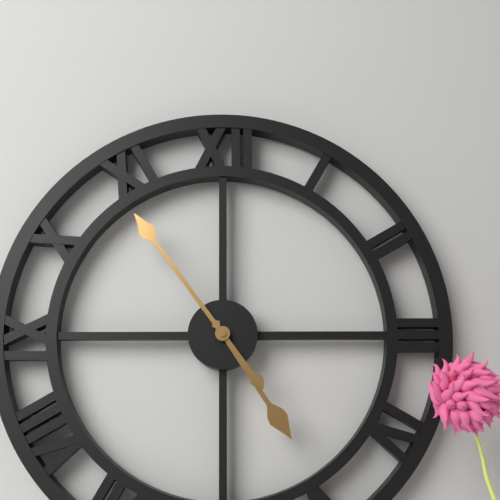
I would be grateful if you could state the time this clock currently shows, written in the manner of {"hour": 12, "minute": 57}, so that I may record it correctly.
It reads {"hour": 4, "minute": 54}
